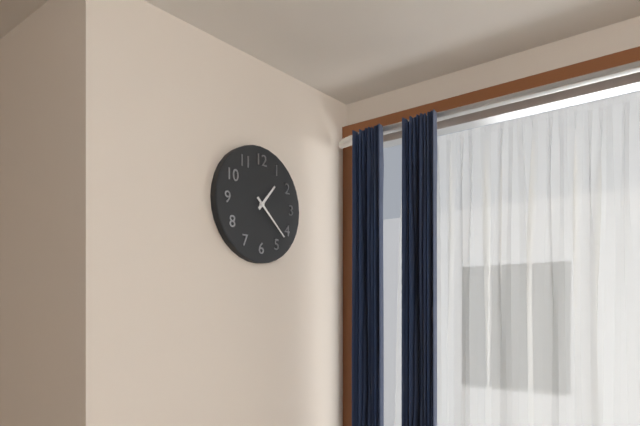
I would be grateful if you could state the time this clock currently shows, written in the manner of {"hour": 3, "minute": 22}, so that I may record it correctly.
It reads {"hour": 1, "minute": 22}
